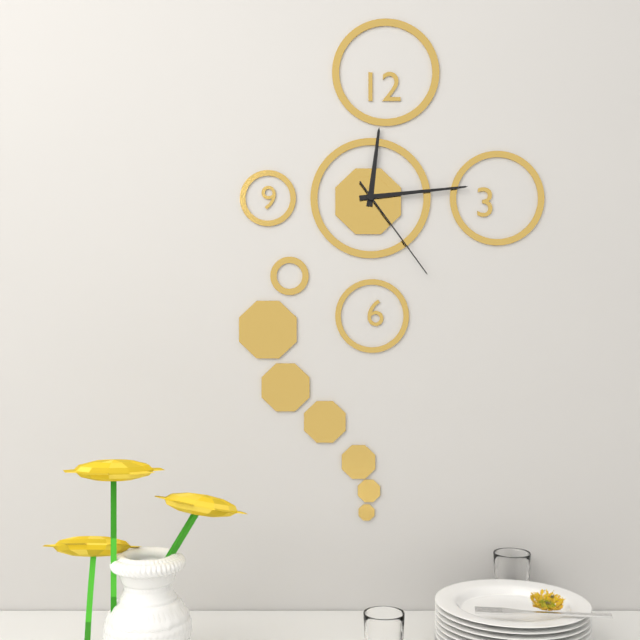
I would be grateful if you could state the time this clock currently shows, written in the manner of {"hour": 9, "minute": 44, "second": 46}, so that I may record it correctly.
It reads {"hour": 12, "minute": 14, "second": 24}
